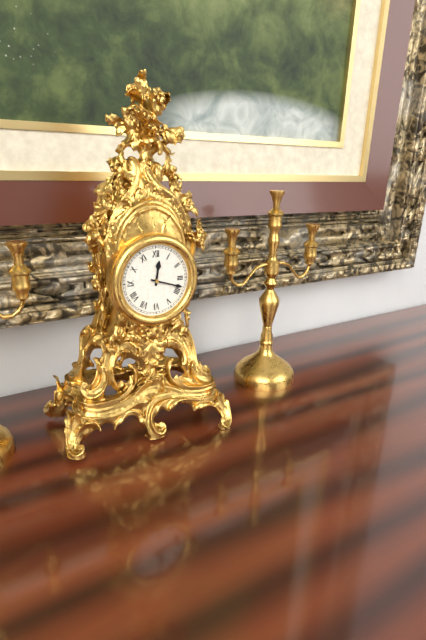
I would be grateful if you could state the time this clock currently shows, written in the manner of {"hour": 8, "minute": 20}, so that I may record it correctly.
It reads {"hour": 12, "minute": 18}
